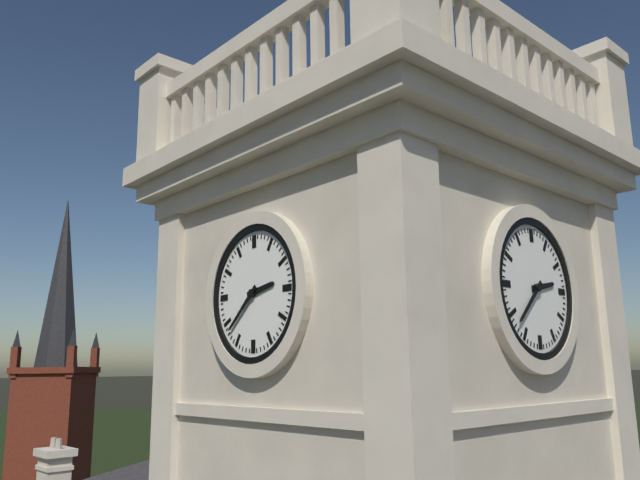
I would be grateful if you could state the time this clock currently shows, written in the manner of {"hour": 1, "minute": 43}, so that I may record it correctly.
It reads {"hour": 2, "minute": 38}
